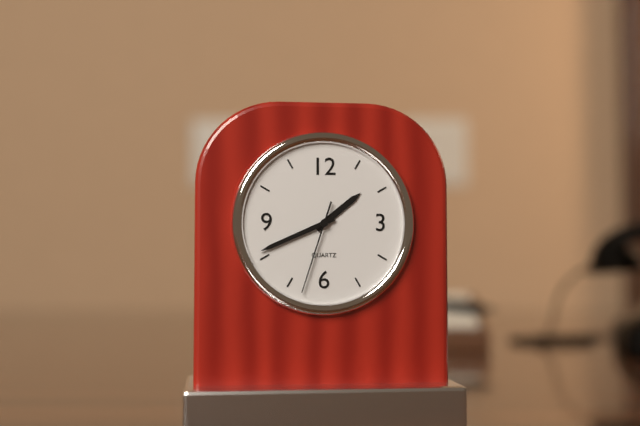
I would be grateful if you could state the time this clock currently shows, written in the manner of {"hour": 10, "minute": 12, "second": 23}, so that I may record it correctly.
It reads {"hour": 1, "minute": 41, "second": 33}
